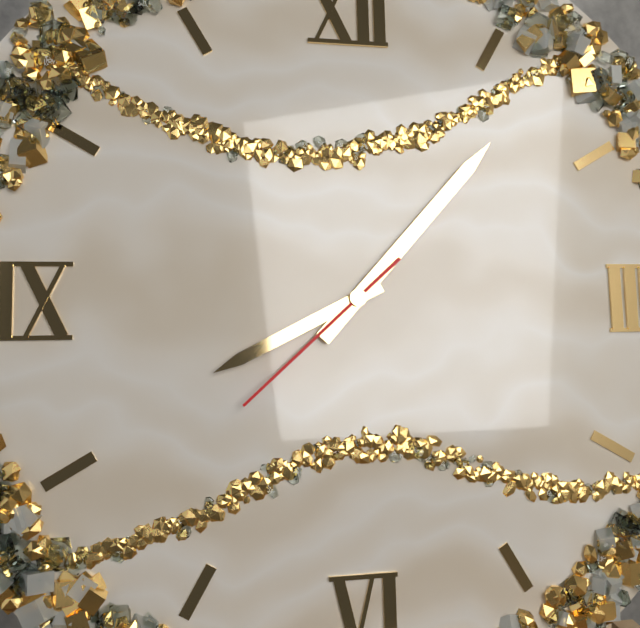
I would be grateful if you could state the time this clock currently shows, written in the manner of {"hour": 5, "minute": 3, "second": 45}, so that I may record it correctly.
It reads {"hour": 8, "minute": 7, "second": 38}
